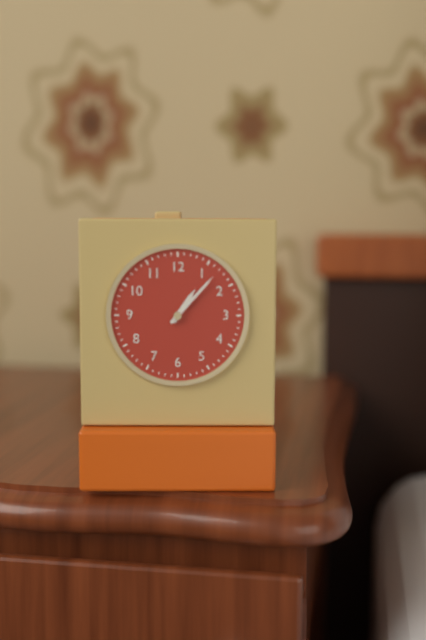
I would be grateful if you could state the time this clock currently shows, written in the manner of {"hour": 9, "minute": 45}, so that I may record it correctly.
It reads {"hour": 1, "minute": 7}
